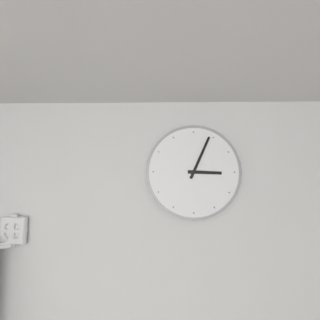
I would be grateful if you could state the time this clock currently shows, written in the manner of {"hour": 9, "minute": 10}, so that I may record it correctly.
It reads {"hour": 3, "minute": 4}
